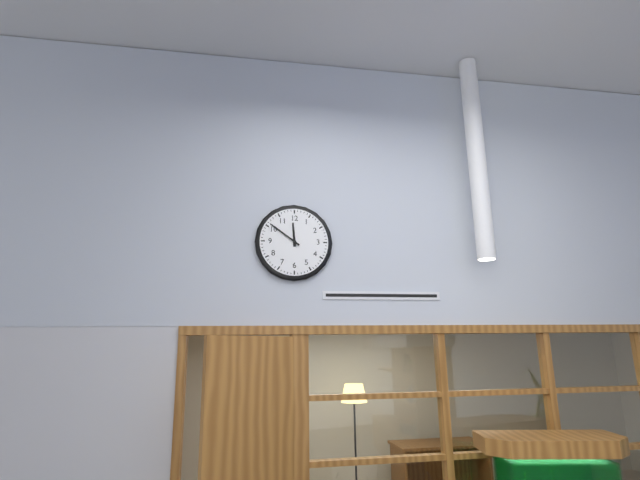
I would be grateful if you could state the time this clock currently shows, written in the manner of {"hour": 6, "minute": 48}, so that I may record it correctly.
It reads {"hour": 11, "minute": 51}
